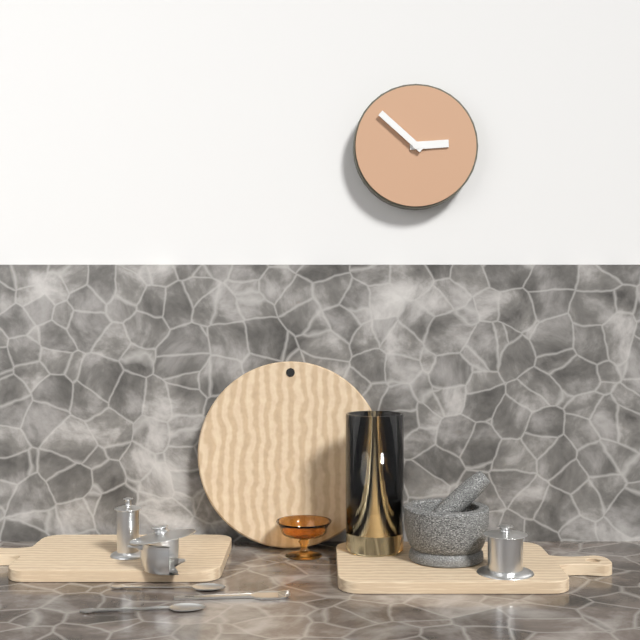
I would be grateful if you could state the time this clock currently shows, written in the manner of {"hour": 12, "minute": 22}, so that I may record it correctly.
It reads {"hour": 2, "minute": 52}
